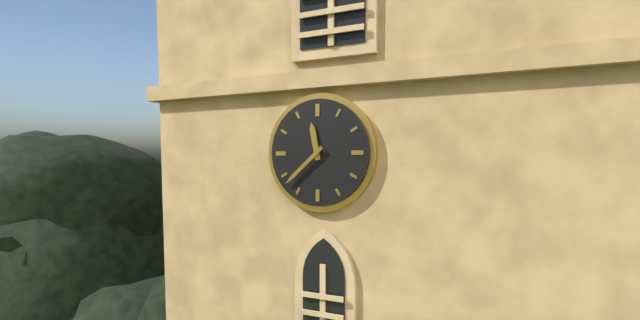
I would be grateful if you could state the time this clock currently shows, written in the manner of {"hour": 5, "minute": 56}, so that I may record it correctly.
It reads {"hour": 11, "minute": 38}
